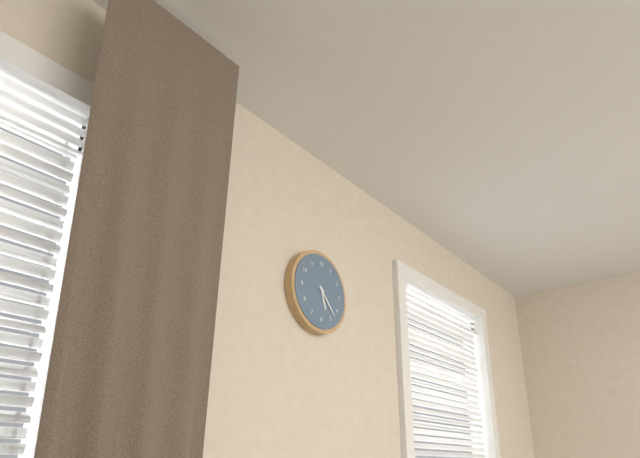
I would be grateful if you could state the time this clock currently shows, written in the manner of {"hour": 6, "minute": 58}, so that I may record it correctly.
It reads {"hour": 5, "minute": 23}
